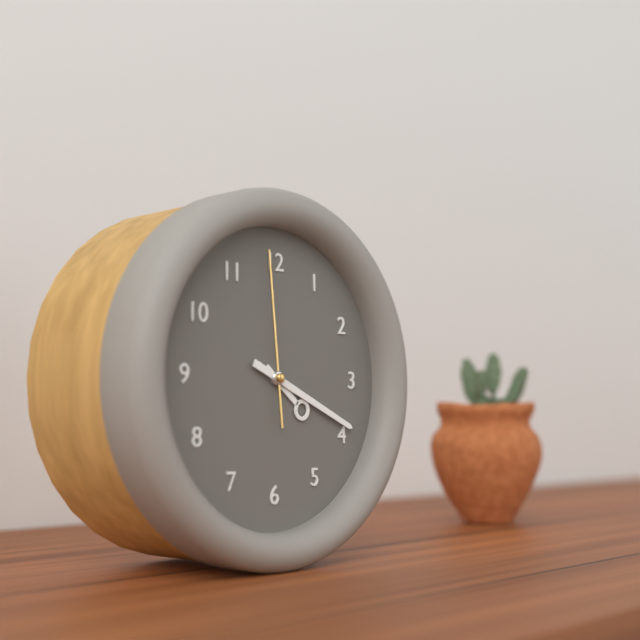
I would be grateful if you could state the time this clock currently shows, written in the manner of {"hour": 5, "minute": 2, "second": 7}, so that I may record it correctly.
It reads {"hour": 4, "minute": 19, "second": 59}
